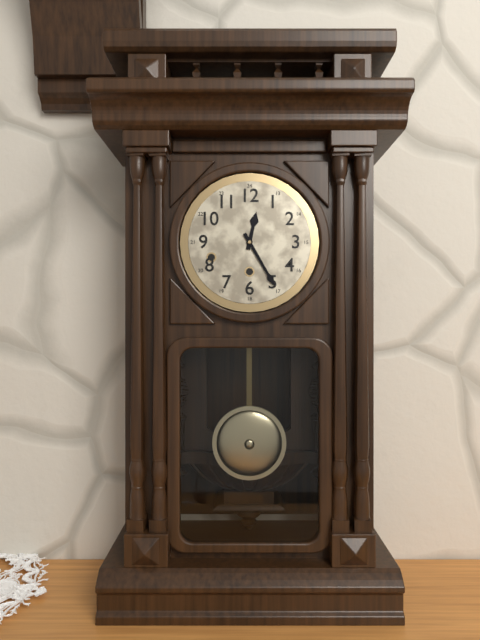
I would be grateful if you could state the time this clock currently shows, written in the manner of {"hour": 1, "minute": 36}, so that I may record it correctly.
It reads {"hour": 12, "minute": 25}
